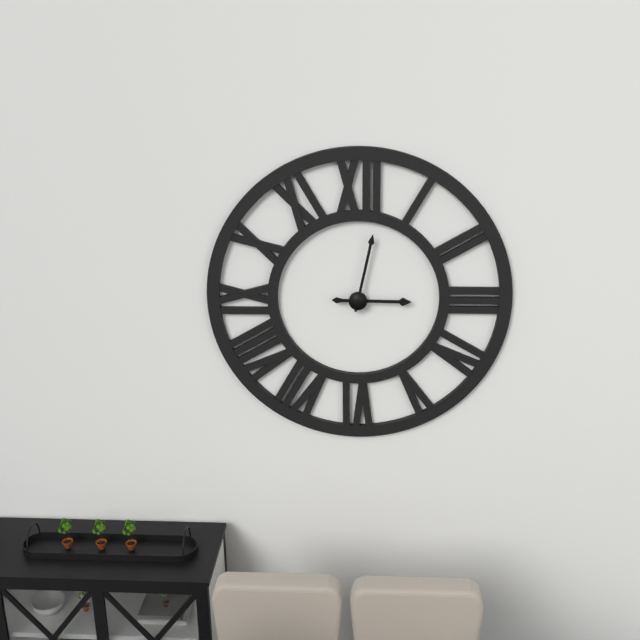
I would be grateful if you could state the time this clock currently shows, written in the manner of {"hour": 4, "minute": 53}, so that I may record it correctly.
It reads {"hour": 3, "minute": 2}
